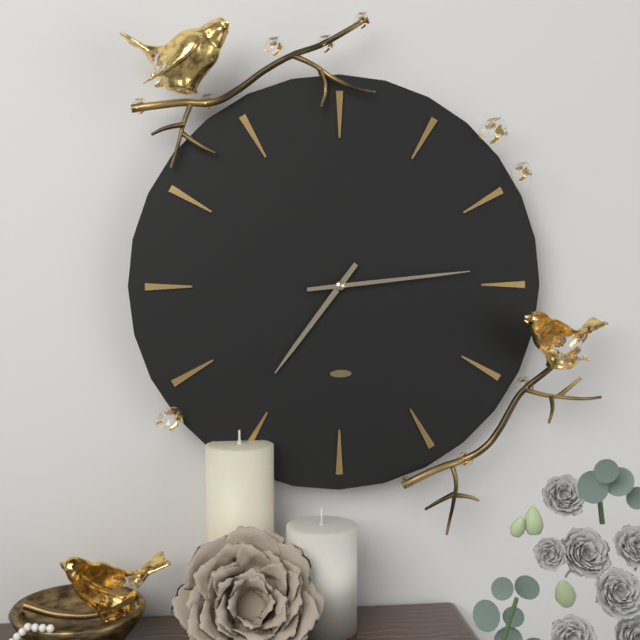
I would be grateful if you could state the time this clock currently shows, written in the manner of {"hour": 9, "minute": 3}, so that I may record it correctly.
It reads {"hour": 7, "minute": 14}
